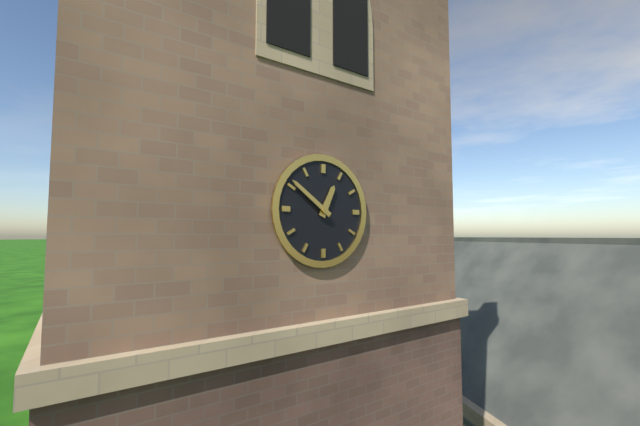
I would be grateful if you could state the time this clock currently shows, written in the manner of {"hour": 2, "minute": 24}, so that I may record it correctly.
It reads {"hour": 12, "minute": 51}
